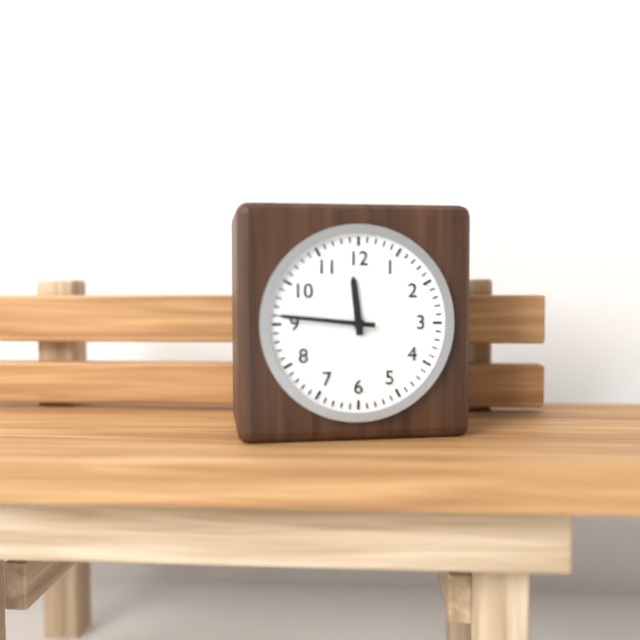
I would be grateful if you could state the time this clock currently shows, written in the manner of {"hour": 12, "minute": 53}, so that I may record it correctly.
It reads {"hour": 11, "minute": 46}
